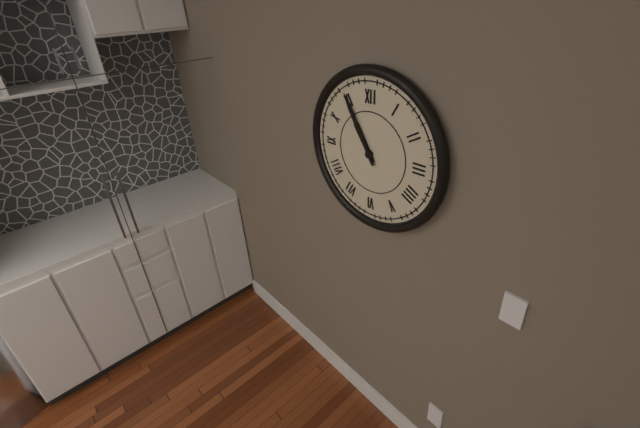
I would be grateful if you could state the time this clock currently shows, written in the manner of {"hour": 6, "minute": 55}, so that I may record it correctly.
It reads {"hour": 10, "minute": 55}
